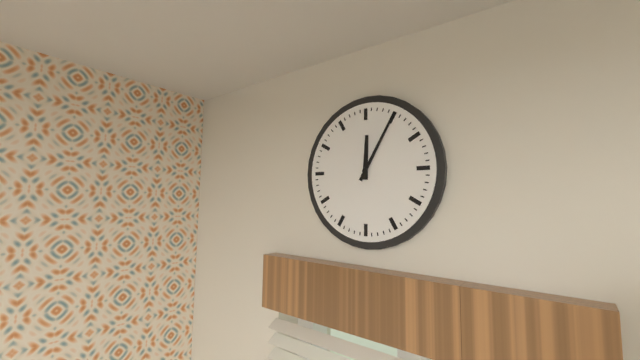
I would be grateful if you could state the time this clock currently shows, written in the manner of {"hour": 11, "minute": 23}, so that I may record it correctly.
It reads {"hour": 12, "minute": 5}
